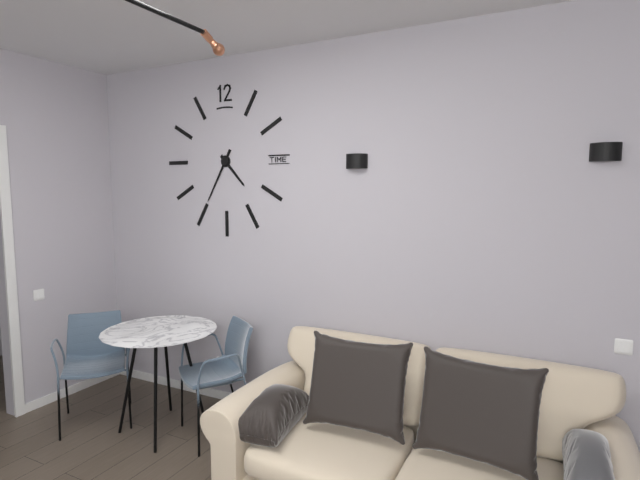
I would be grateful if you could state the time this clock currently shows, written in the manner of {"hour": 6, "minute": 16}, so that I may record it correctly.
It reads {"hour": 4, "minute": 35}
